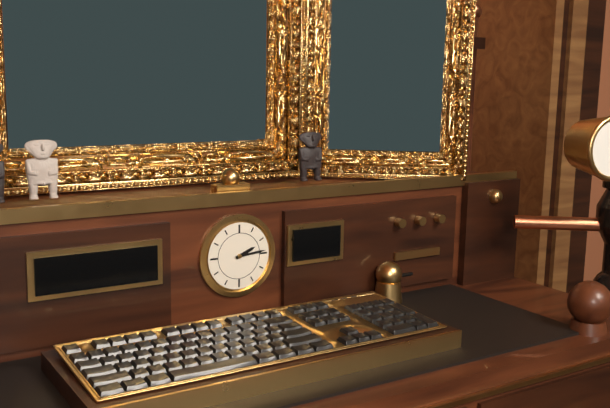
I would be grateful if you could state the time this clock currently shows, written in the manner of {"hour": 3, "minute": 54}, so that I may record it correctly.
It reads {"hour": 2, "minute": 14}
